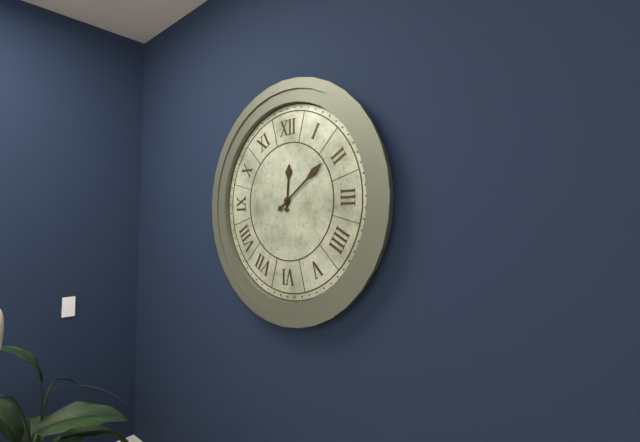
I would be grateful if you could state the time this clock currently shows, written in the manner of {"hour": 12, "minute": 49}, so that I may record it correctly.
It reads {"hour": 12, "minute": 9}
